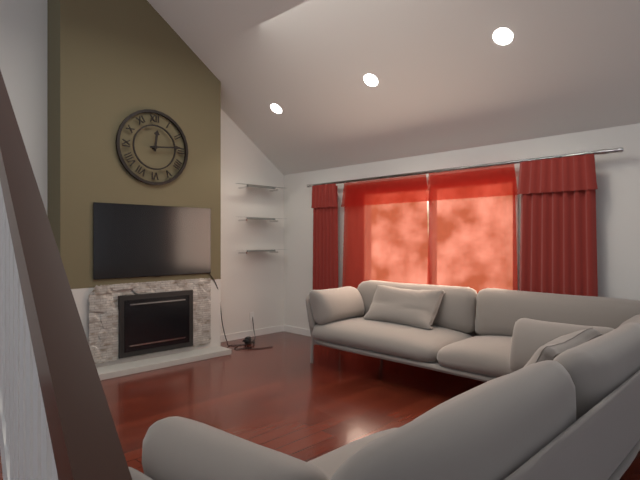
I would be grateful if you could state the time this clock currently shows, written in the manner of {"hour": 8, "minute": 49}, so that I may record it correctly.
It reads {"hour": 12, "minute": 14}
